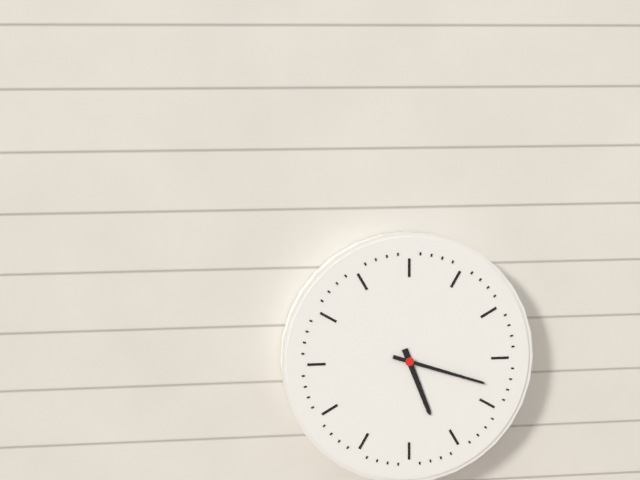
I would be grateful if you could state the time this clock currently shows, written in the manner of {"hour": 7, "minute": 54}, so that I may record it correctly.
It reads {"hour": 5, "minute": 18}
